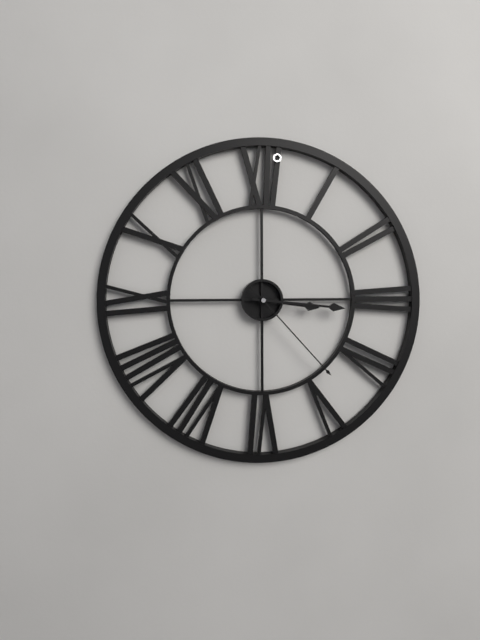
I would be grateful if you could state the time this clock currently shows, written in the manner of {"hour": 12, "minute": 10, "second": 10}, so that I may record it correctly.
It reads {"hour": 3, "minute": 16, "second": 23}
